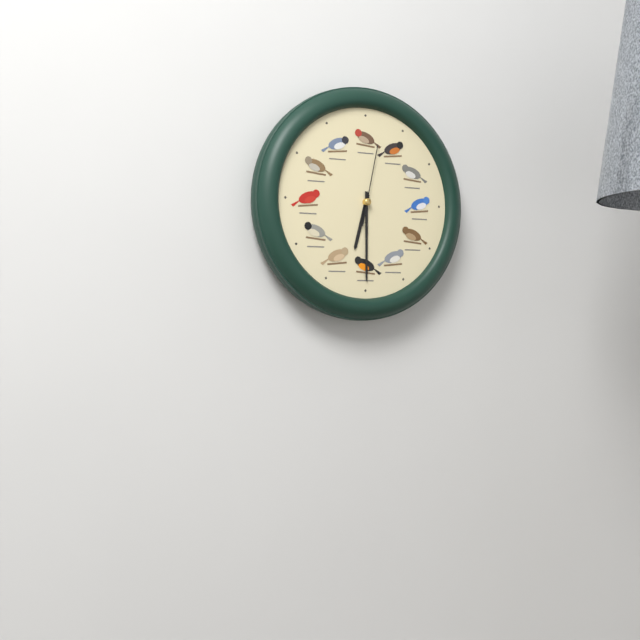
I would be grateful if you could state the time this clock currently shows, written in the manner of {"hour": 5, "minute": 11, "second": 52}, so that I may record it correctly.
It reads {"hour": 6, "minute": 30, "second": 2}
